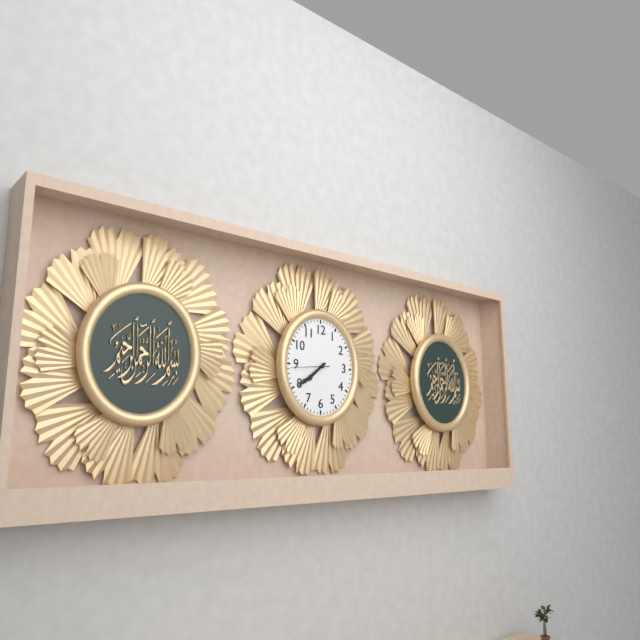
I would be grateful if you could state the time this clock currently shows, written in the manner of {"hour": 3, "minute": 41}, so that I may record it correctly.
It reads {"hour": 7, "minute": 39}
